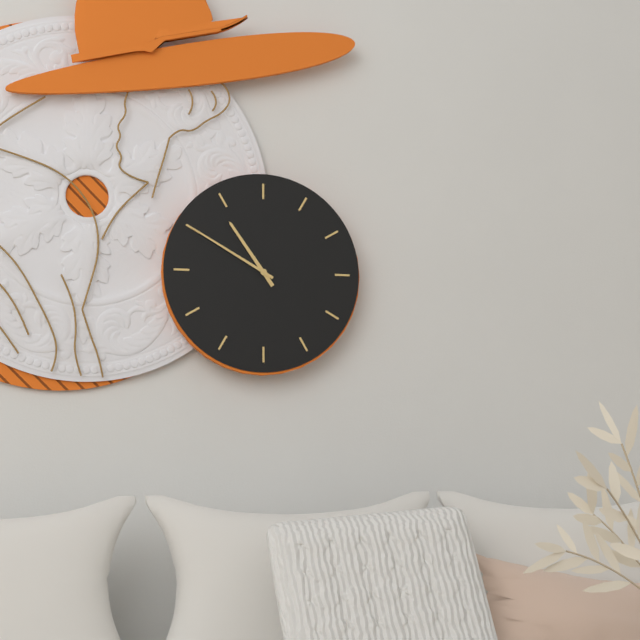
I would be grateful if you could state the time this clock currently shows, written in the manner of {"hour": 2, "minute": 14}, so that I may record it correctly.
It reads {"hour": 10, "minute": 50}
